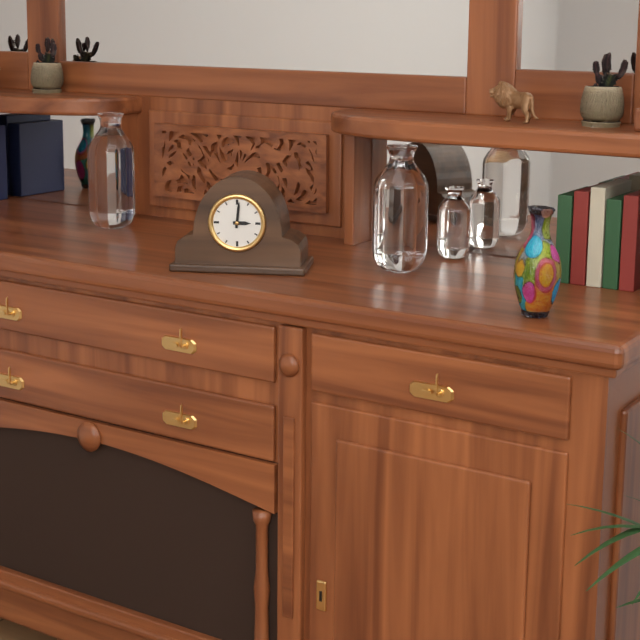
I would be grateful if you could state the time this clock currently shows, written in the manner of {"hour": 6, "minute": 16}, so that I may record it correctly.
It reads {"hour": 3, "minute": 1}
